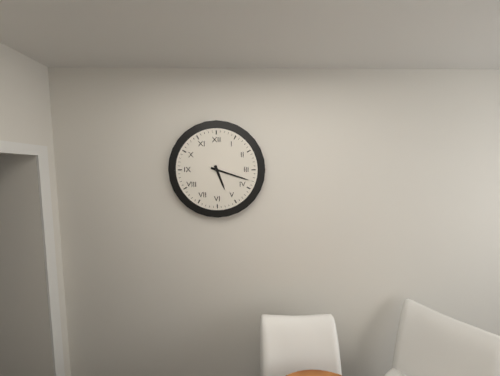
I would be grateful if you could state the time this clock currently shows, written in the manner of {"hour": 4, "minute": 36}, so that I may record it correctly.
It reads {"hour": 5, "minute": 18}
